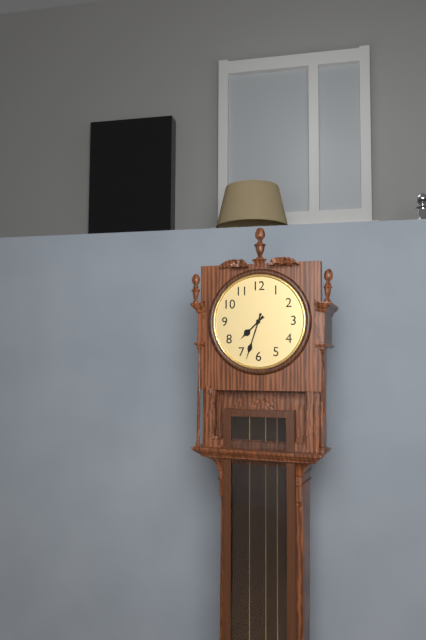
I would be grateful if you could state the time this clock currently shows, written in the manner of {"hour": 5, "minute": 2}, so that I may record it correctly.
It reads {"hour": 7, "minute": 33}
